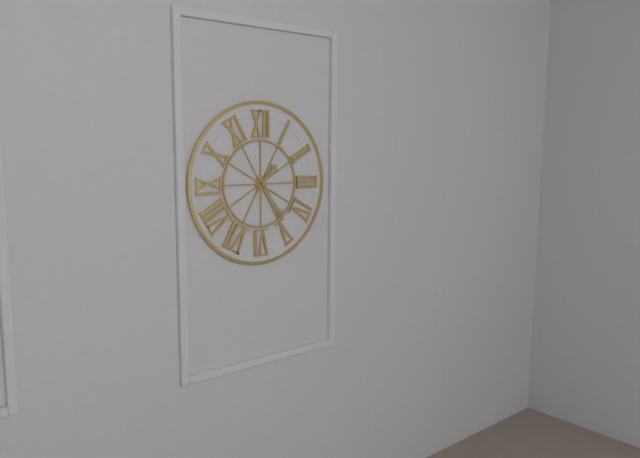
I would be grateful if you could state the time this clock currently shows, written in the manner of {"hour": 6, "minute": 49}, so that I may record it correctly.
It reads {"hour": 1, "minute": 24}
